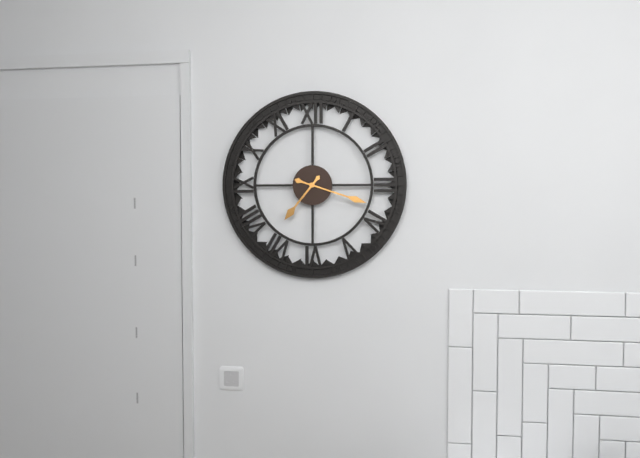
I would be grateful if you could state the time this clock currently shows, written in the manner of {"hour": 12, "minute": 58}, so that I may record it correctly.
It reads {"hour": 7, "minute": 18}
